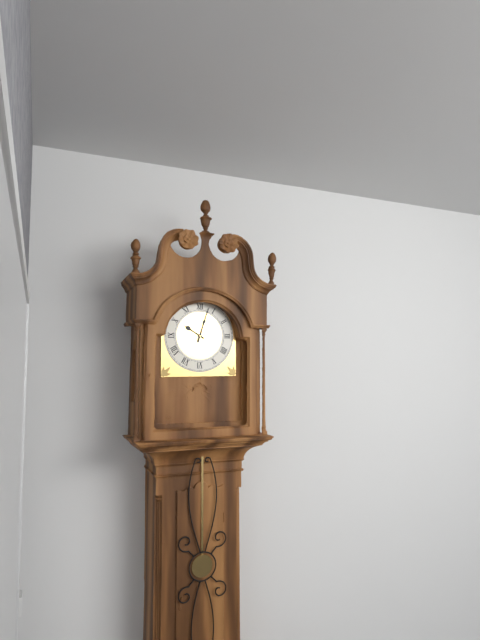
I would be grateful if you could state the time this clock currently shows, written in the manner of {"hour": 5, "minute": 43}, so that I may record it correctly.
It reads {"hour": 10, "minute": 3}
